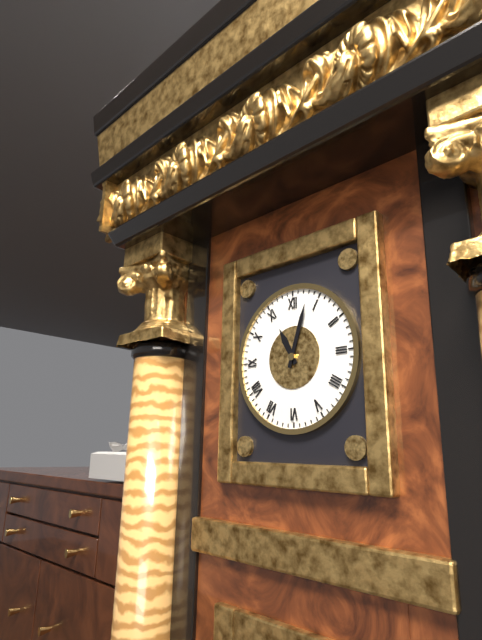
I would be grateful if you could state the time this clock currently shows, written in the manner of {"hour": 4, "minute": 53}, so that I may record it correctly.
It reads {"hour": 11, "minute": 3}
